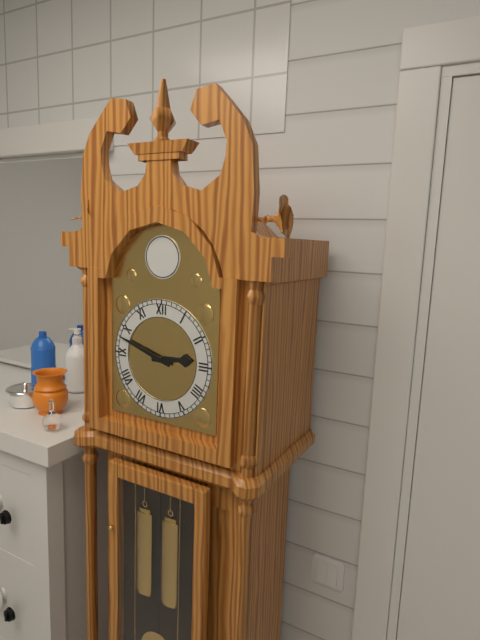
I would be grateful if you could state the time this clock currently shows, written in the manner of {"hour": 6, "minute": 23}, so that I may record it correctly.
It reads {"hour": 2, "minute": 48}
